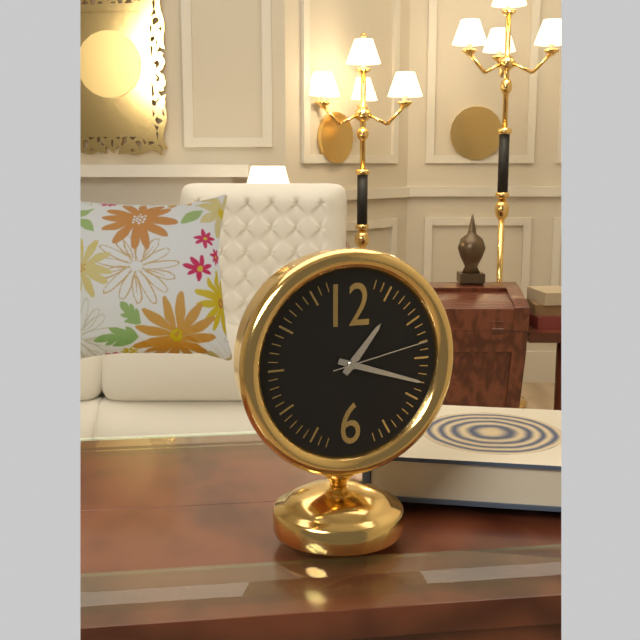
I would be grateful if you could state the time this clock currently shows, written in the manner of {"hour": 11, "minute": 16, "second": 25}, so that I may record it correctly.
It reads {"hour": 1, "minute": 18, "second": 13}
